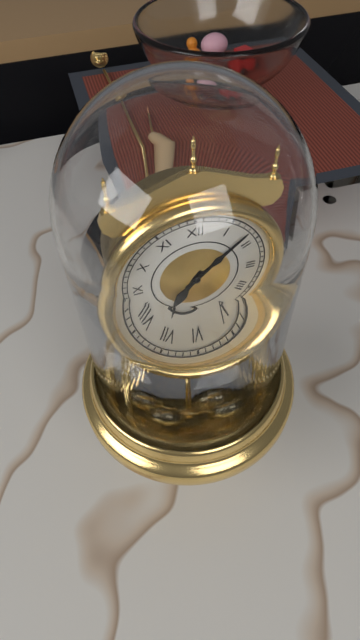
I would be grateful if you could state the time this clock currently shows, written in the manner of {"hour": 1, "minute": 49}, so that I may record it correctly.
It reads {"hour": 7, "minute": 8}
